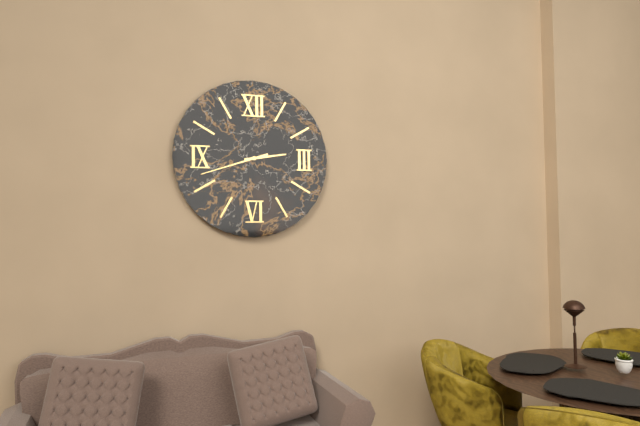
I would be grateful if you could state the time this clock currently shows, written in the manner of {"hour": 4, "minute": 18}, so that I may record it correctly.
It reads {"hour": 2, "minute": 42}
